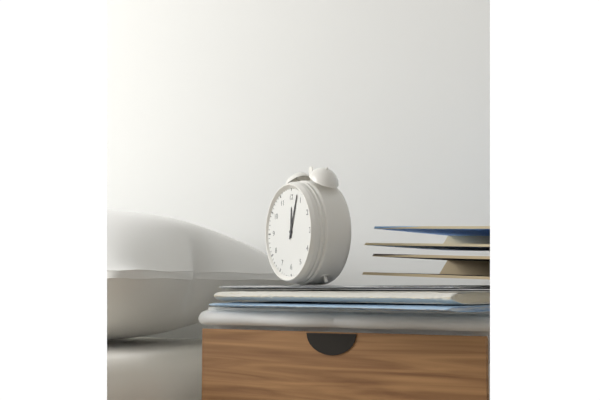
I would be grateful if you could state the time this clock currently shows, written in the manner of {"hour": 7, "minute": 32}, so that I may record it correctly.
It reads {"hour": 12, "minute": 3}
